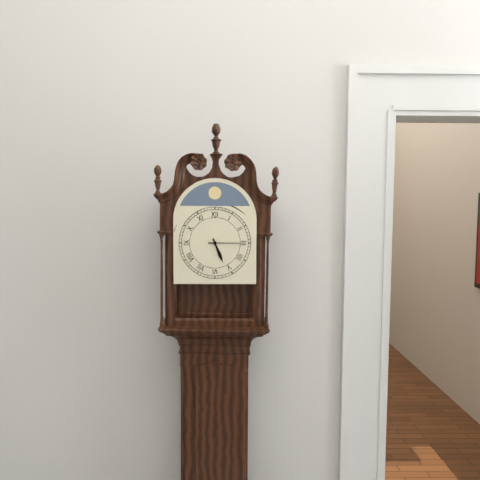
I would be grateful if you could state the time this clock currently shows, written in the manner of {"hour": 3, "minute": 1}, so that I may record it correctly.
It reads {"hour": 5, "minute": 15}
